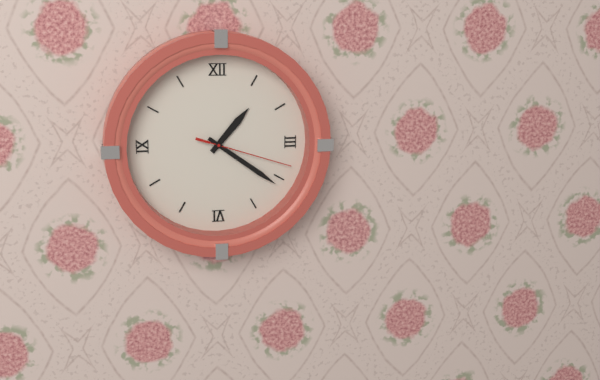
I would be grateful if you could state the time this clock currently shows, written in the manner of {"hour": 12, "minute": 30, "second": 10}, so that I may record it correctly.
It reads {"hour": 1, "minute": 21, "second": 18}
